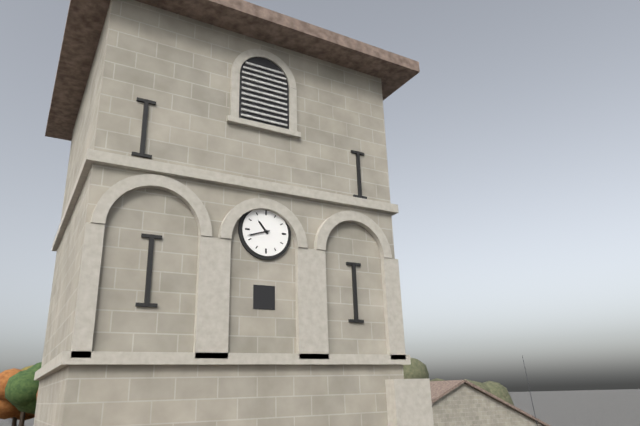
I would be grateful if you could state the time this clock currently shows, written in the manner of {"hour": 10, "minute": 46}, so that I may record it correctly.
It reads {"hour": 10, "minute": 42}
